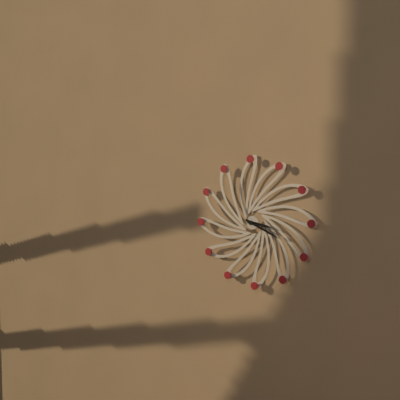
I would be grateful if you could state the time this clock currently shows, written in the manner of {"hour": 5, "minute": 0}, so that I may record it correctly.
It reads {"hour": 3, "minute": 19}
